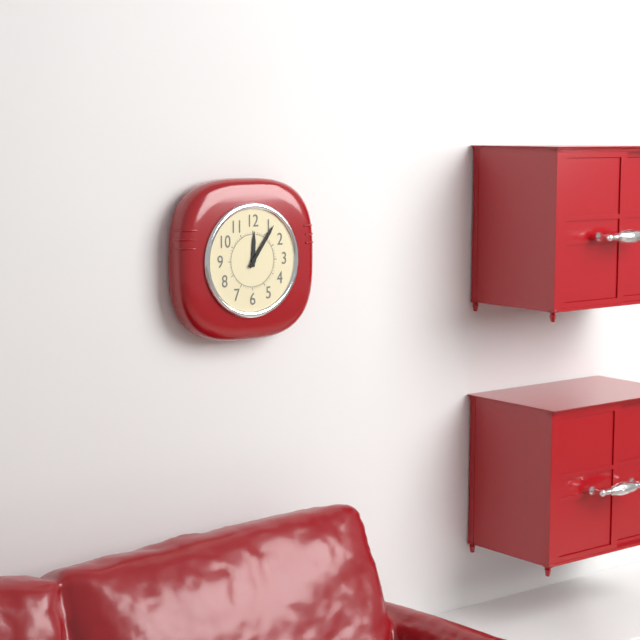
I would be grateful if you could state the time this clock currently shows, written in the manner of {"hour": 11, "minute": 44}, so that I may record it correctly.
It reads {"hour": 12, "minute": 6}
